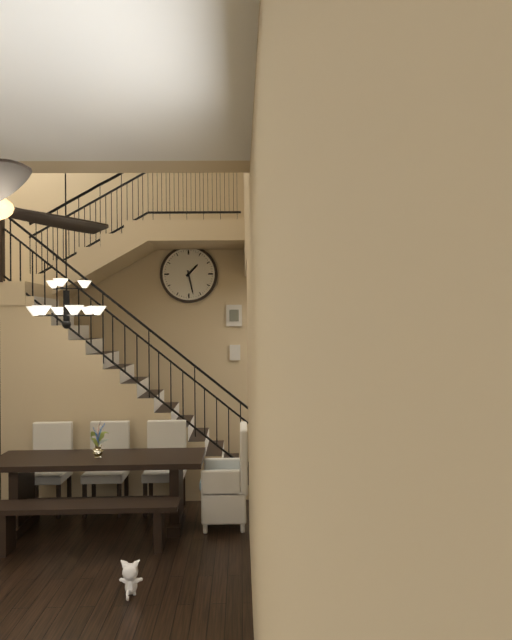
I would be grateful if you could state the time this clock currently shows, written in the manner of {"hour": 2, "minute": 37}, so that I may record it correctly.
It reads {"hour": 1, "minute": 28}
